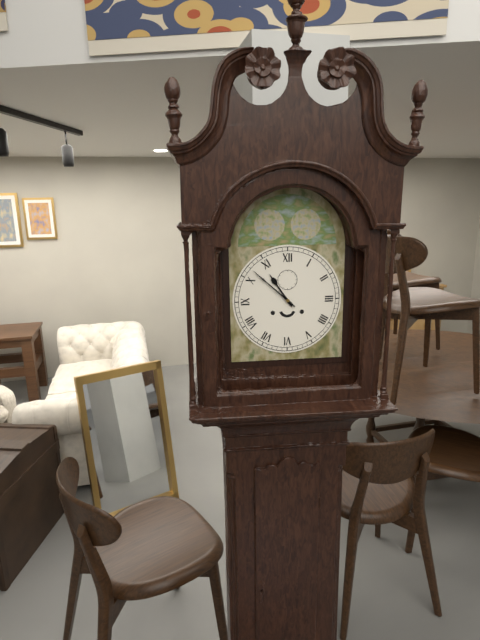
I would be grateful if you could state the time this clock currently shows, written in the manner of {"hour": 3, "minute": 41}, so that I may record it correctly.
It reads {"hour": 10, "minute": 52}
